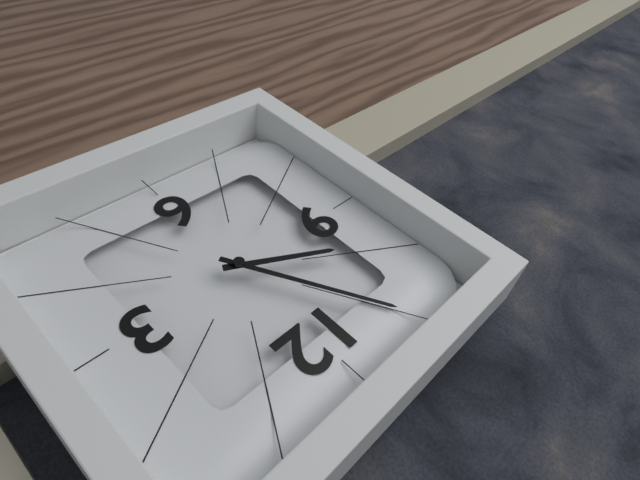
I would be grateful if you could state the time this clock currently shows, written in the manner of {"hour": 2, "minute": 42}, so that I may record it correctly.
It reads {"hour": 9, "minute": 55}
